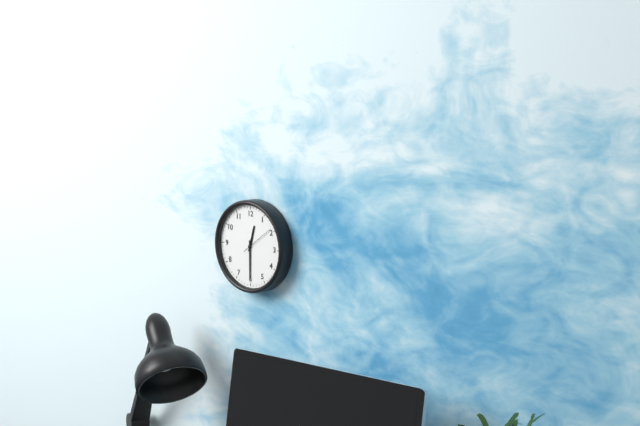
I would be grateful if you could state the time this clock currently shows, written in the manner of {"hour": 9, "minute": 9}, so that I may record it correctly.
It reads {"hour": 12, "minute": 30}
